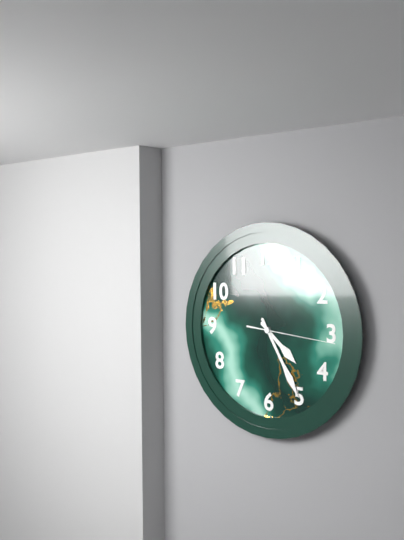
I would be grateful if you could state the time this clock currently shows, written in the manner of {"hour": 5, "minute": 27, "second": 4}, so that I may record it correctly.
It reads {"hour": 4, "minute": 25, "second": 16}
